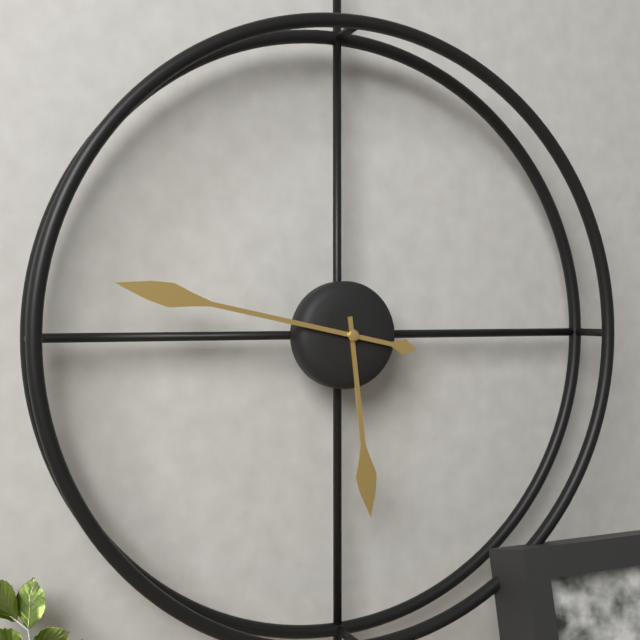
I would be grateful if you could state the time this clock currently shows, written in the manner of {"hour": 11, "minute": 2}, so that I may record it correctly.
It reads {"hour": 5, "minute": 47}
